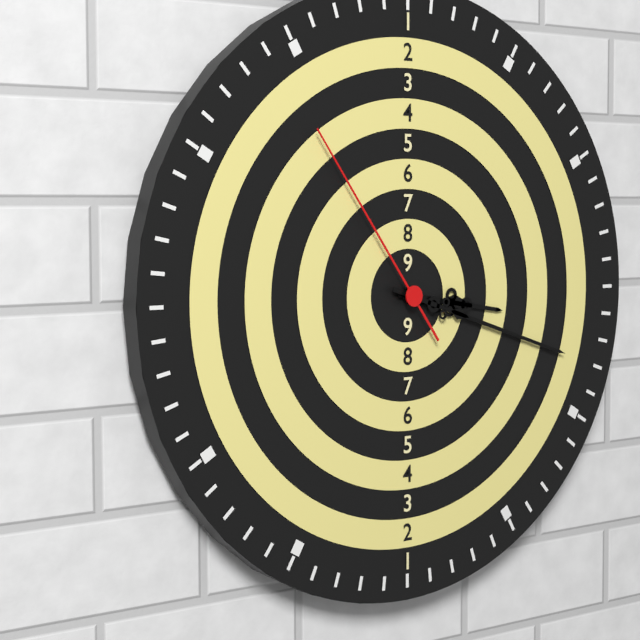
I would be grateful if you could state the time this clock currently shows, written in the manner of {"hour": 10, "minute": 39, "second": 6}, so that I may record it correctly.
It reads {"hour": 3, "minute": 18, "second": 54}
